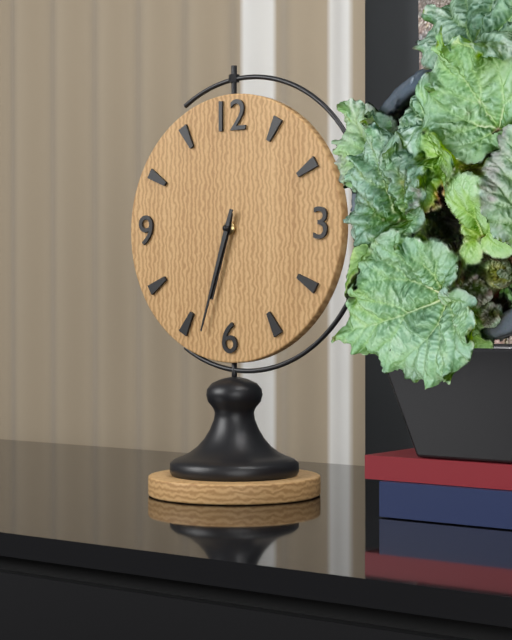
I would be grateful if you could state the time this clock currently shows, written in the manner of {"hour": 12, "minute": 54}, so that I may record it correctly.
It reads {"hour": 6, "minute": 33}
